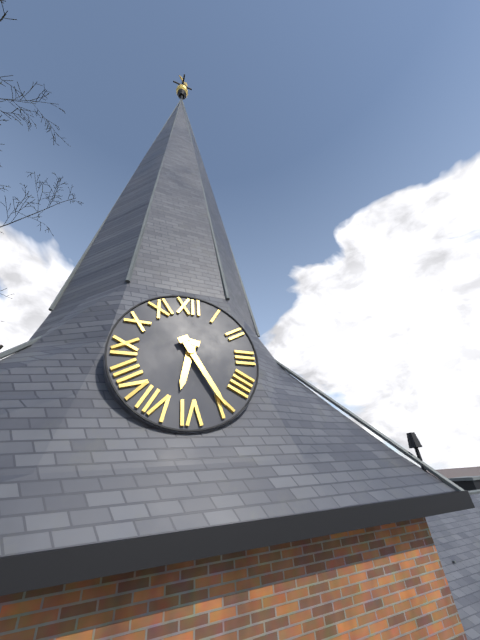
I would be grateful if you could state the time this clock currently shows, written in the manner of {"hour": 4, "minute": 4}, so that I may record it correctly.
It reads {"hour": 6, "minute": 25}
